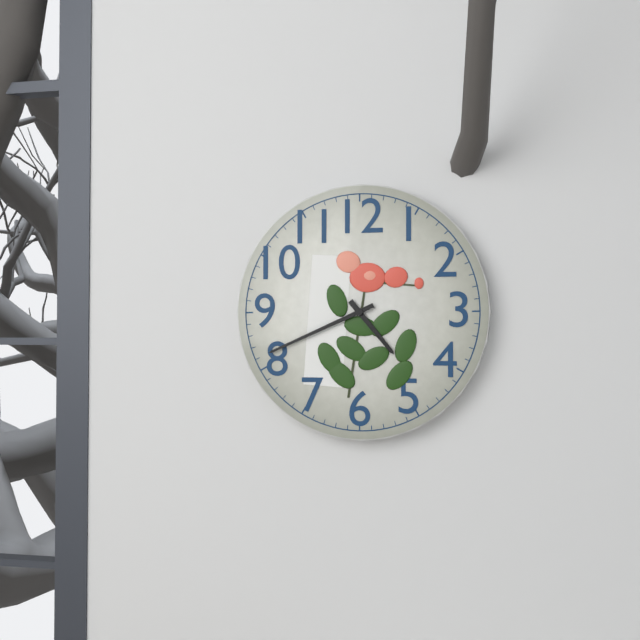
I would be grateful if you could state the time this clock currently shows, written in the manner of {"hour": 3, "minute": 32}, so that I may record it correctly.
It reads {"hour": 4, "minute": 41}
